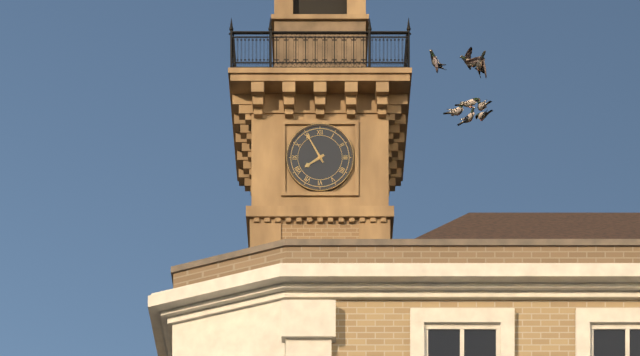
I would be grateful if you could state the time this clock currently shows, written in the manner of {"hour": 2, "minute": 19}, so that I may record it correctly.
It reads {"hour": 7, "minute": 55}
